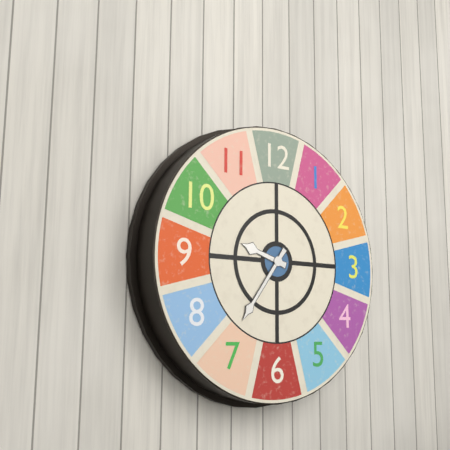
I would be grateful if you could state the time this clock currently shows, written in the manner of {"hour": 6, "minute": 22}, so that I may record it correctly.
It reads {"hour": 9, "minute": 36}
